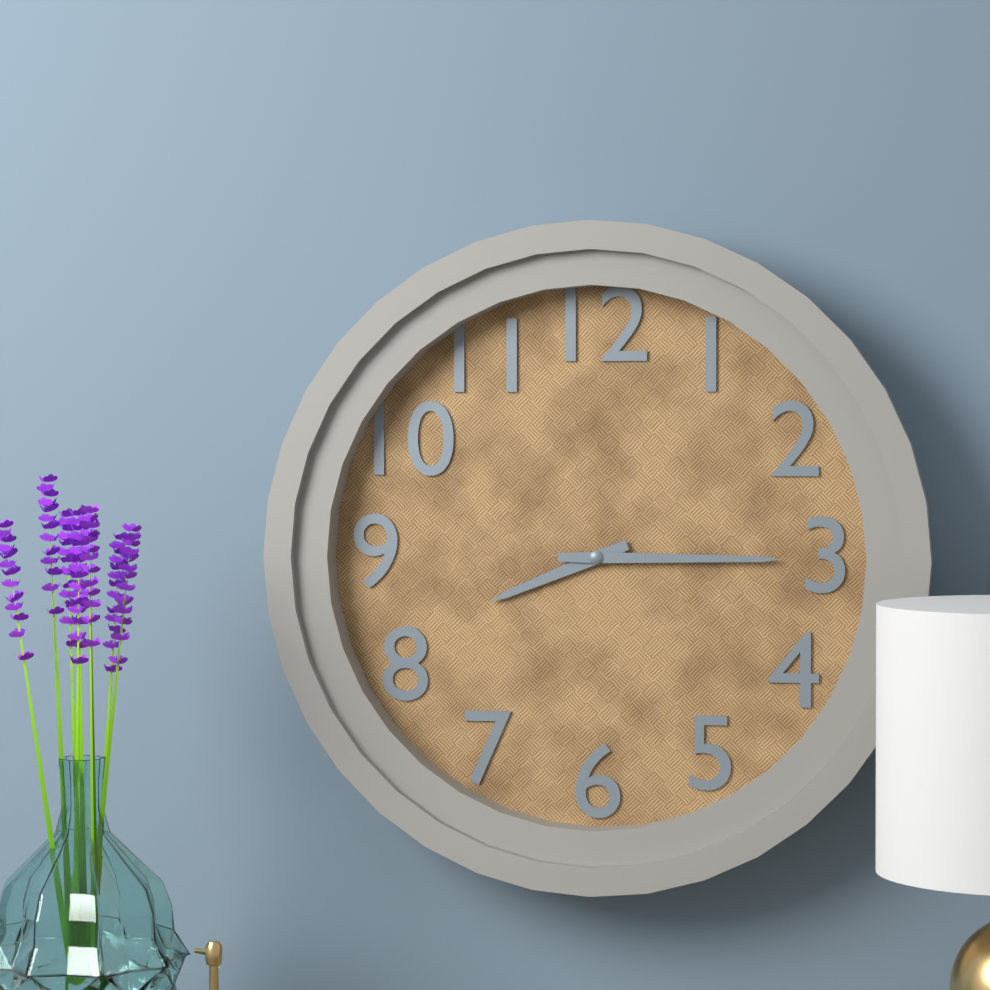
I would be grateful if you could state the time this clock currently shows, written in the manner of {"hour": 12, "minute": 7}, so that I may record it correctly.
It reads {"hour": 8, "minute": 15}
